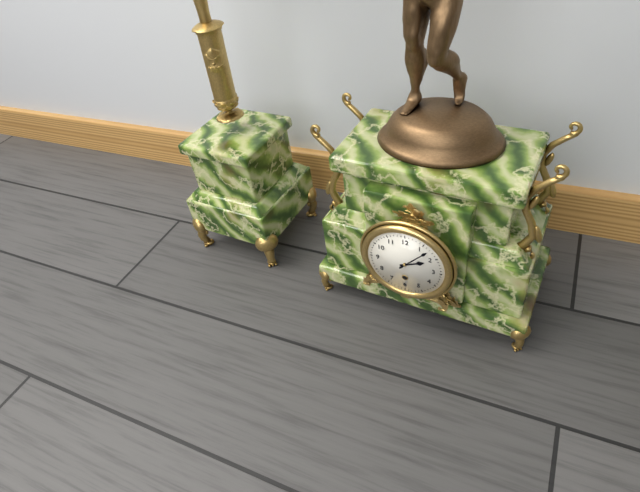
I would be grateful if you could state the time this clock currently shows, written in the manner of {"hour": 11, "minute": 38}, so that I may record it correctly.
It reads {"hour": 2, "minute": 7}
